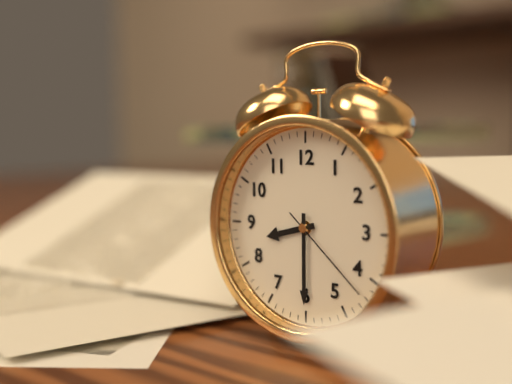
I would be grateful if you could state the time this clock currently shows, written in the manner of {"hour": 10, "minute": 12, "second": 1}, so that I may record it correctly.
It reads {"hour": 8, "minute": 30, "second": 22}
